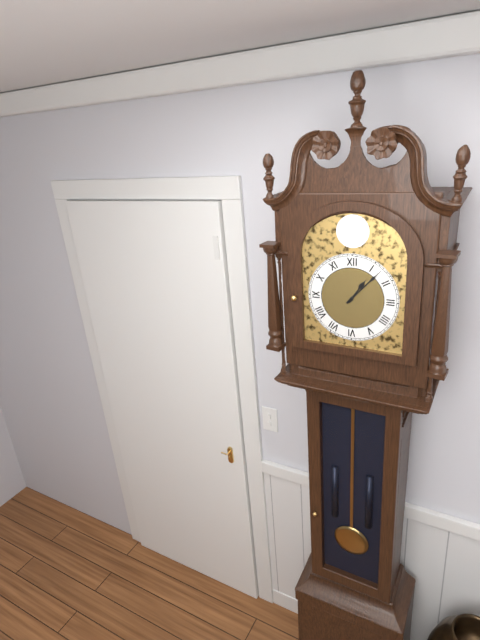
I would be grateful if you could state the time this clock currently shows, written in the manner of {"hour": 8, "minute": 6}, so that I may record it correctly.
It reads {"hour": 1, "minute": 7}
